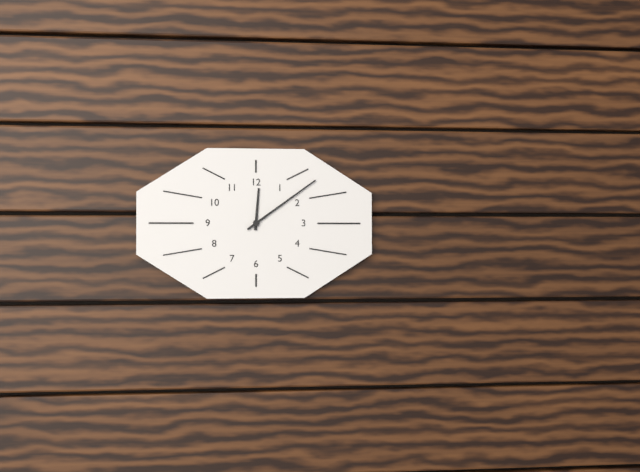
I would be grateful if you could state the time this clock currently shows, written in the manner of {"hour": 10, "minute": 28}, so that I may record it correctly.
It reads {"hour": 12, "minute": 9}
